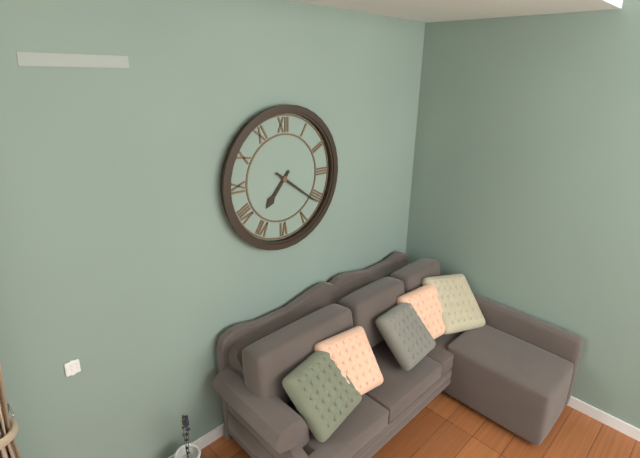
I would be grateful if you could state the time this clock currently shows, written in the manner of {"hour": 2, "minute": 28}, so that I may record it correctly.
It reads {"hour": 7, "minute": 21}
